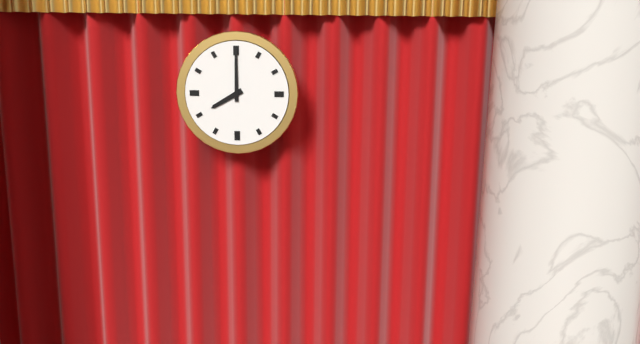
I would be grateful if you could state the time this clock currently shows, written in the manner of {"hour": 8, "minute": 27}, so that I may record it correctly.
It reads {"hour": 8, "minute": 0}
